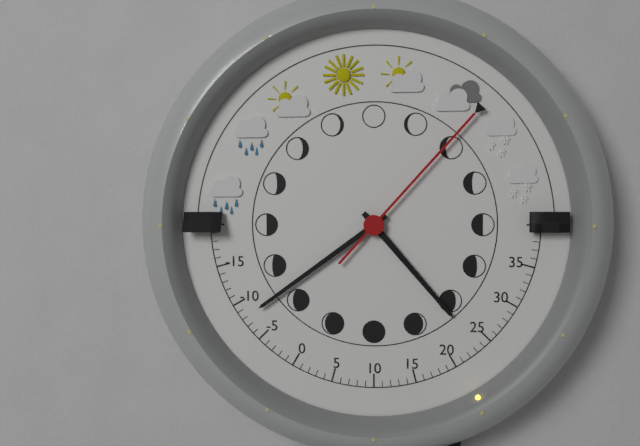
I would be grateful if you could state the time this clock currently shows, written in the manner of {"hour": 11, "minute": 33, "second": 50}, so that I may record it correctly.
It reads {"hour": 4, "minute": 39, "second": 7}
